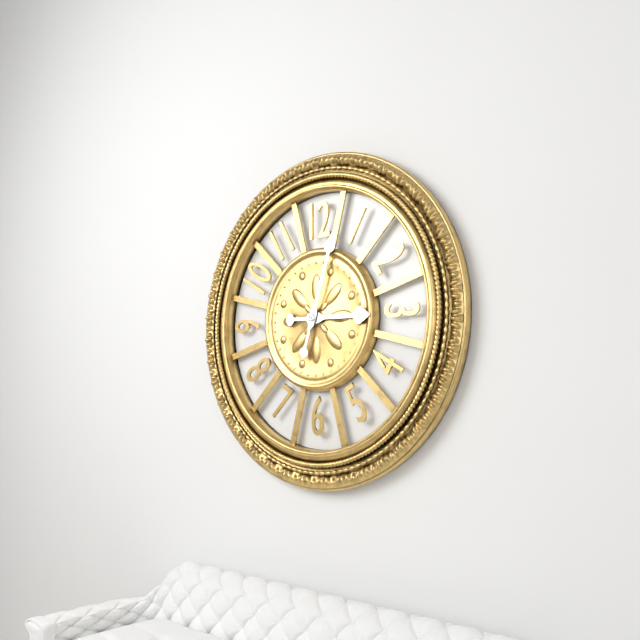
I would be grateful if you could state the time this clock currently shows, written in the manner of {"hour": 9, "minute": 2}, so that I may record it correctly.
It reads {"hour": 3, "minute": 3}
